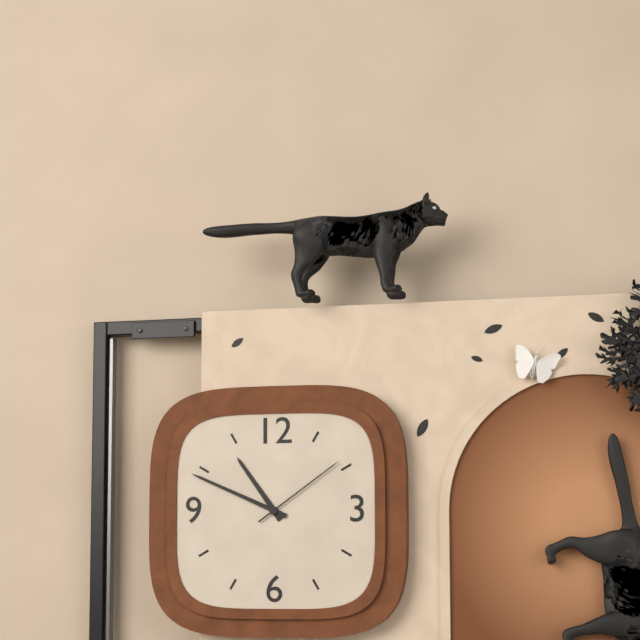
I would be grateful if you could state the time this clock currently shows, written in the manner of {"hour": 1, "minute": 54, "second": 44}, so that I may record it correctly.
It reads {"hour": 10, "minute": 49, "second": 9}
